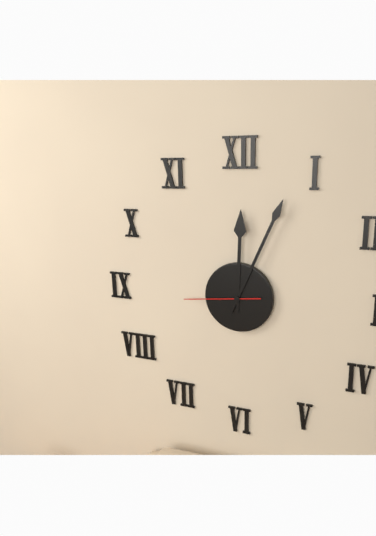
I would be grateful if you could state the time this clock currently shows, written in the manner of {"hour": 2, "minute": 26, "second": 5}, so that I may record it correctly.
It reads {"hour": 12, "minute": 4, "second": 44}
